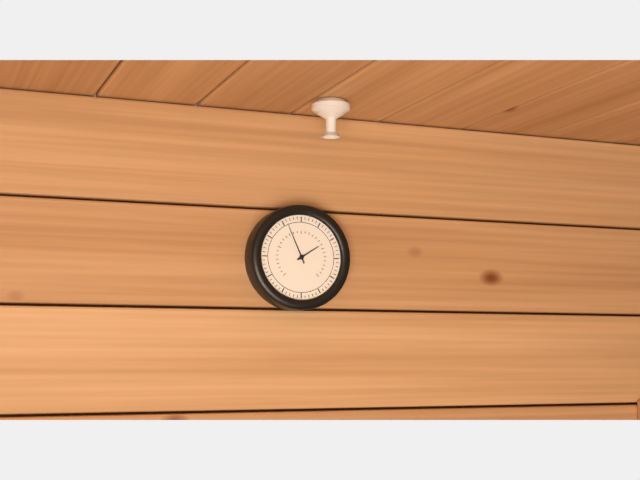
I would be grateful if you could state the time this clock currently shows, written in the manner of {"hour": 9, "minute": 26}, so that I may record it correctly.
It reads {"hour": 1, "minute": 56}
